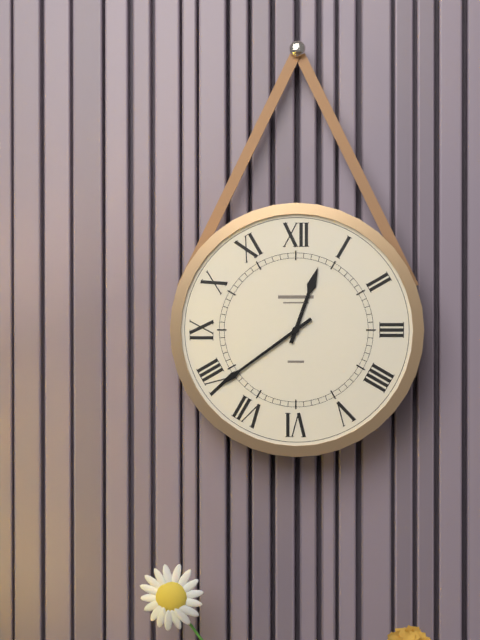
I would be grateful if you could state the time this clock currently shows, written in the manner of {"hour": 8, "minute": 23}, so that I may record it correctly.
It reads {"hour": 12, "minute": 39}
